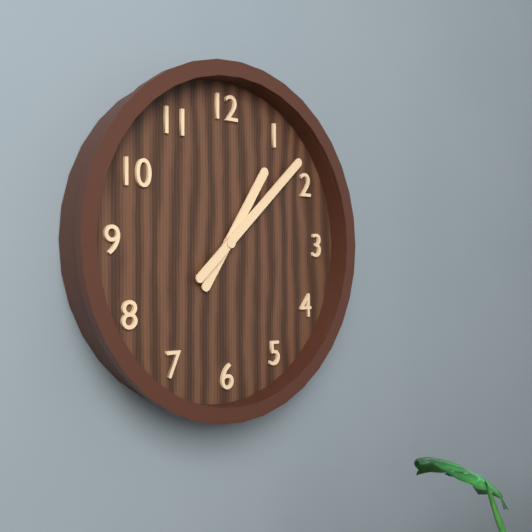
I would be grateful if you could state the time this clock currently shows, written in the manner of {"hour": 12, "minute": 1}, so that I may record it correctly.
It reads {"hour": 1, "minute": 8}
